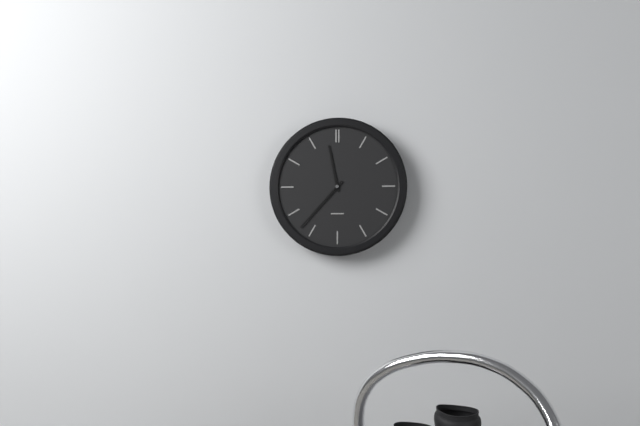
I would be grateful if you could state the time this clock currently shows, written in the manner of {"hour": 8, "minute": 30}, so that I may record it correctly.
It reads {"hour": 11, "minute": 37}
